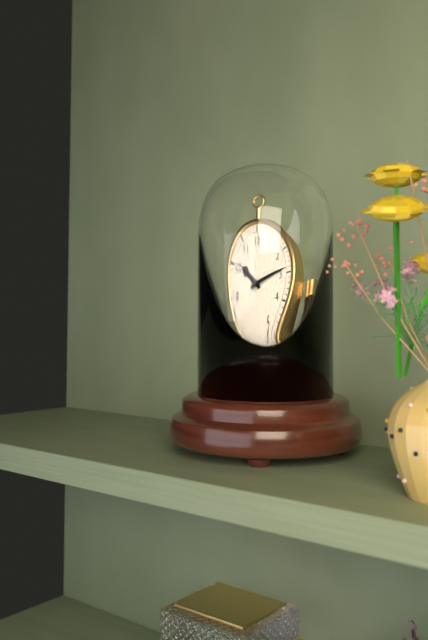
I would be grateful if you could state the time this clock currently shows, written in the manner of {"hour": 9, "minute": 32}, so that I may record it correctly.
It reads {"hour": 10, "minute": 14}
